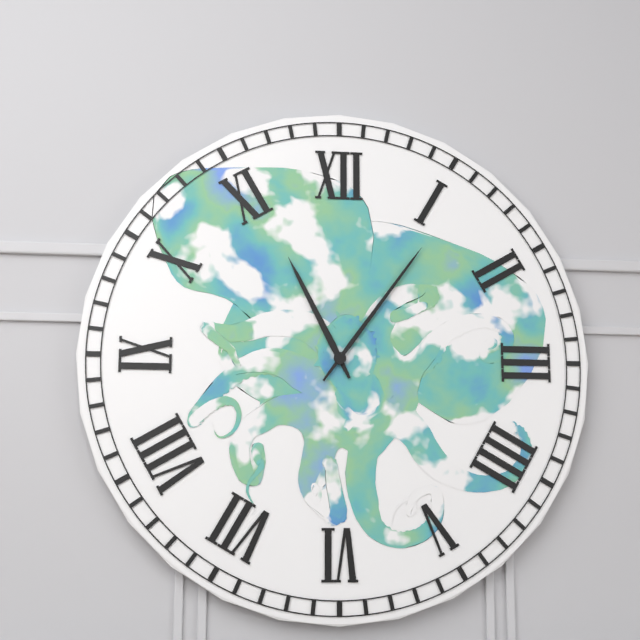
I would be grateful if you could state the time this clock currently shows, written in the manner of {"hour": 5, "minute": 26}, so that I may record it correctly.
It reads {"hour": 11, "minute": 6}
